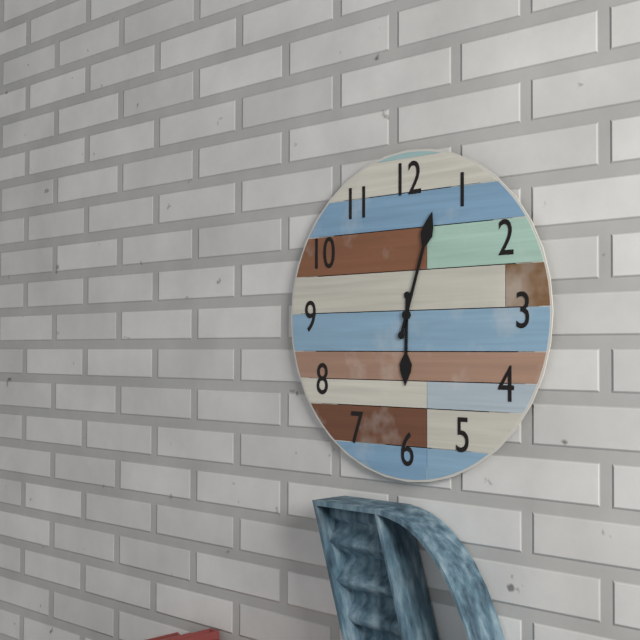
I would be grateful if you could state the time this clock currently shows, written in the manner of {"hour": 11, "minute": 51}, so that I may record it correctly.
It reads {"hour": 6, "minute": 3}
